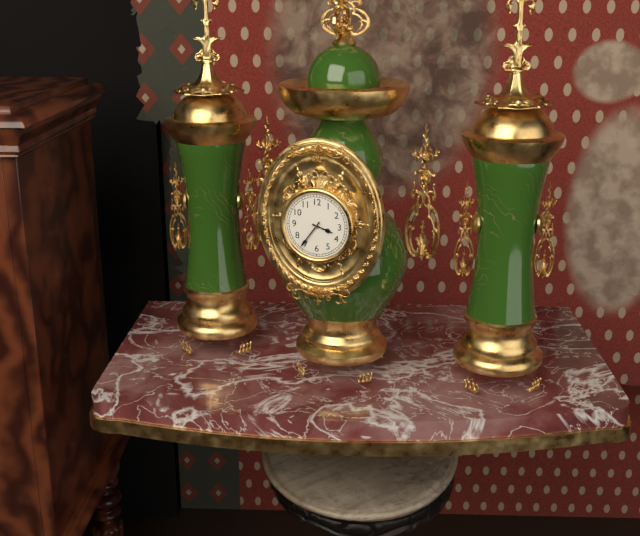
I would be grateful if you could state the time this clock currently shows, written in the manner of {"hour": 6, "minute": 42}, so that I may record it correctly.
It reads {"hour": 3, "minute": 36}
